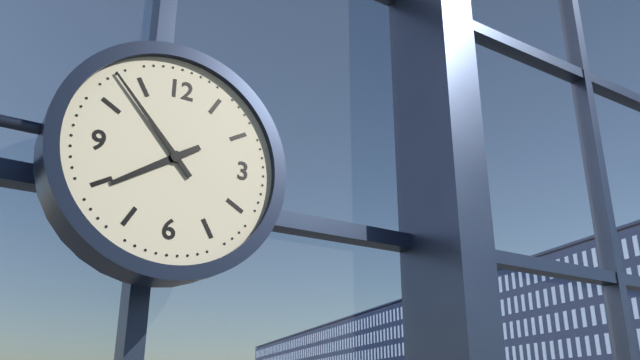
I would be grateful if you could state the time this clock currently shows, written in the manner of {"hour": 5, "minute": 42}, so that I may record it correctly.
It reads {"hour": 7, "minute": 53}
